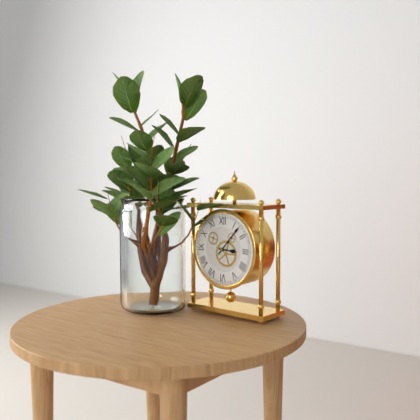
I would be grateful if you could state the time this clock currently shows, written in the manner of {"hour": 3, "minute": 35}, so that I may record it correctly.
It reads {"hour": 3, "minute": 7}
